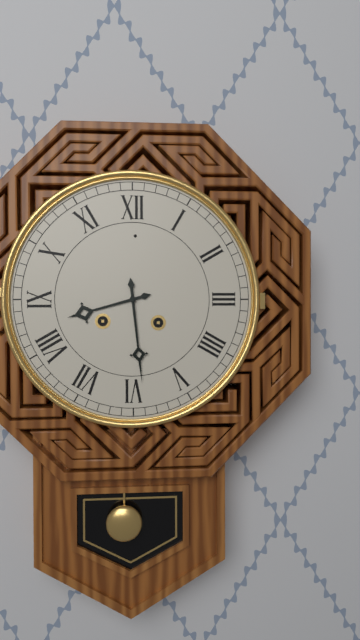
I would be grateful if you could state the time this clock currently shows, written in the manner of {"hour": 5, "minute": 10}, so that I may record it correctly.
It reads {"hour": 8, "minute": 29}
